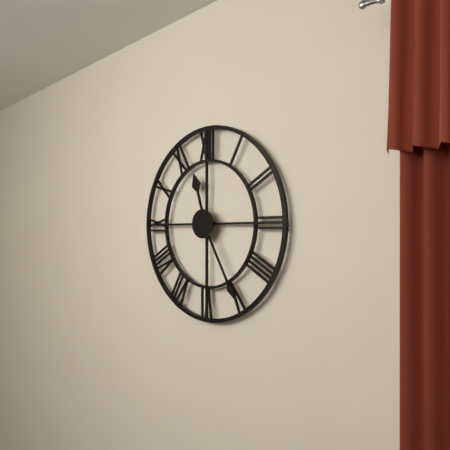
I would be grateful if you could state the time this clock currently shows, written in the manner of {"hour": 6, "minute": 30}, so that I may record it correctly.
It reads {"hour": 11, "minute": 25}
